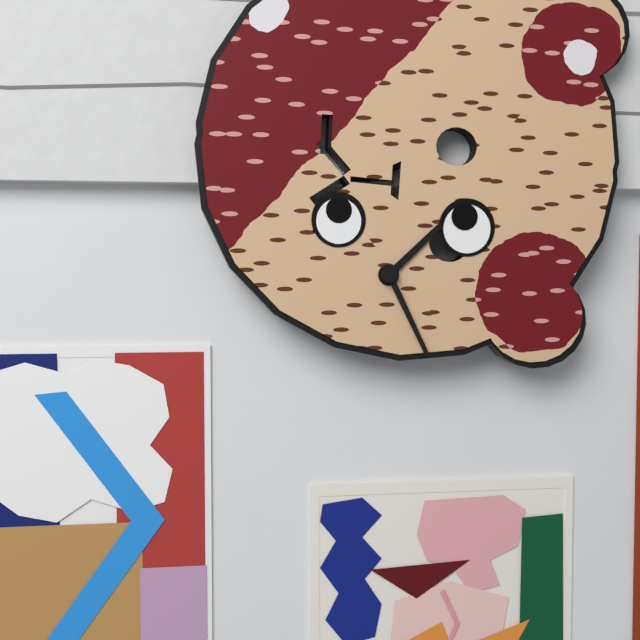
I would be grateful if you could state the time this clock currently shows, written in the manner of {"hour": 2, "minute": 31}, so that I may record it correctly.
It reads {"hour": 1, "minute": 25}
